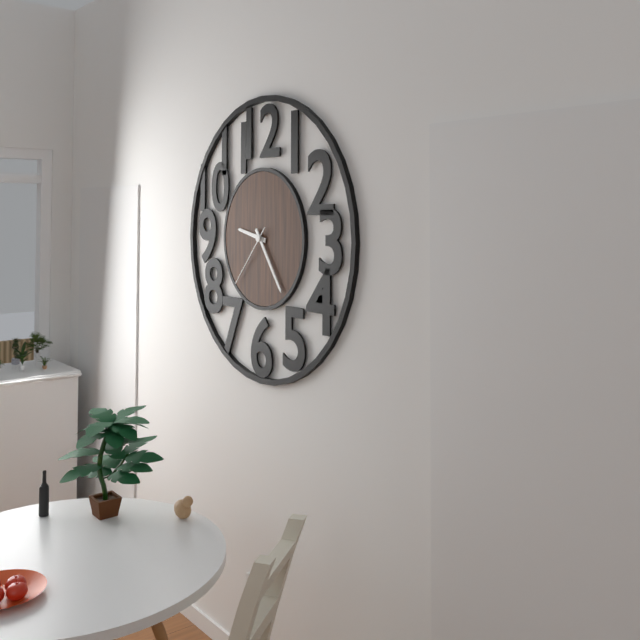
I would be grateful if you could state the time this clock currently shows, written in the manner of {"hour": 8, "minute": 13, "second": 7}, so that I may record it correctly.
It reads {"hour": 9, "minute": 24, "second": 37}
